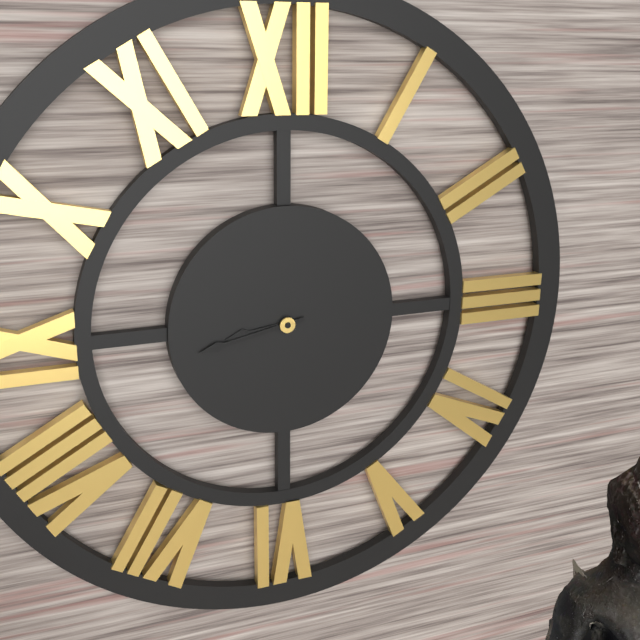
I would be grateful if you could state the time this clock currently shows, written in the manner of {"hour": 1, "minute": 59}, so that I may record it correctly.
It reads {"hour": 8, "minute": 43}
